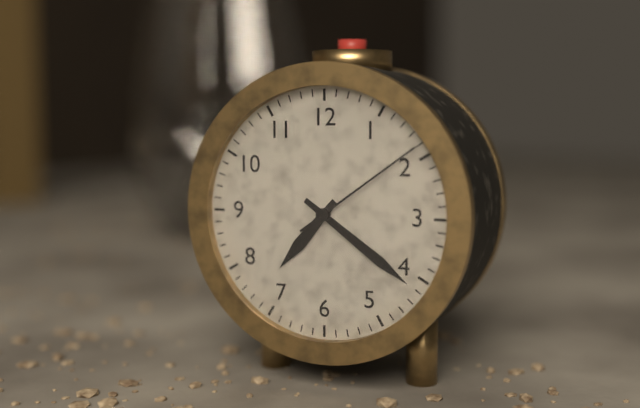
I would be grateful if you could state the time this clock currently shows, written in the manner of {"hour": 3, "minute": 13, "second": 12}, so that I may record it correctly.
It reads {"hour": 7, "minute": 21, "second": 9}
